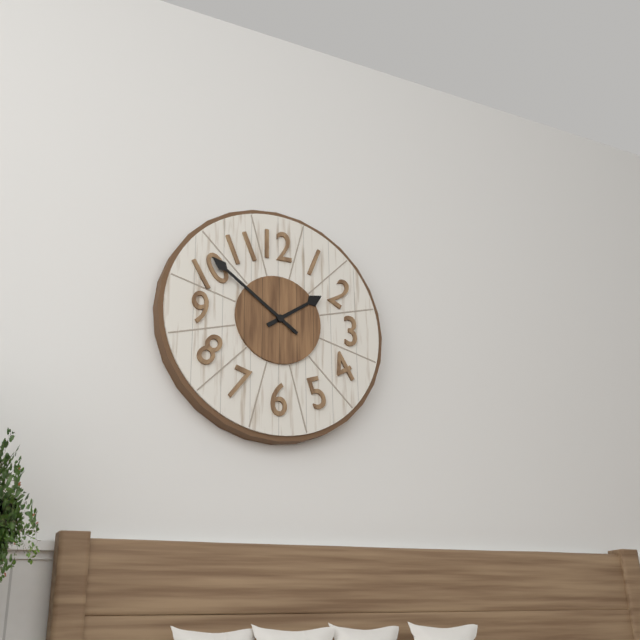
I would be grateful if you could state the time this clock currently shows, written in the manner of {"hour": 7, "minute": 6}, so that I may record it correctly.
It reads {"hour": 1, "minute": 51}
